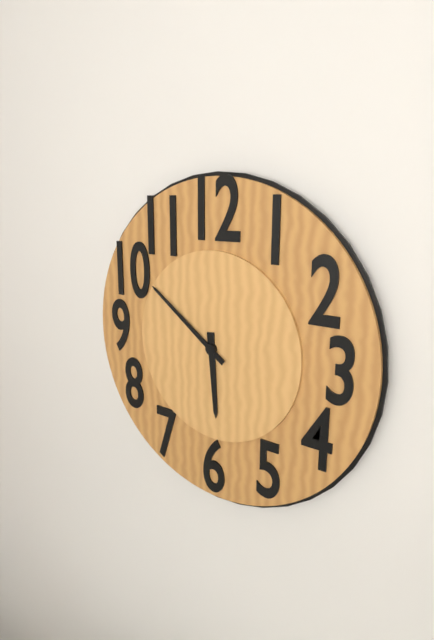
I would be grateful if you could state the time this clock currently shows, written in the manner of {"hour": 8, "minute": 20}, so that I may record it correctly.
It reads {"hour": 5, "minute": 51}
